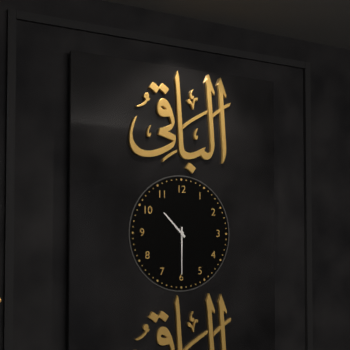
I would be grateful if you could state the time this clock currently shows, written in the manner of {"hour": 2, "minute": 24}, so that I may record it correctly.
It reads {"hour": 10, "minute": 30}
